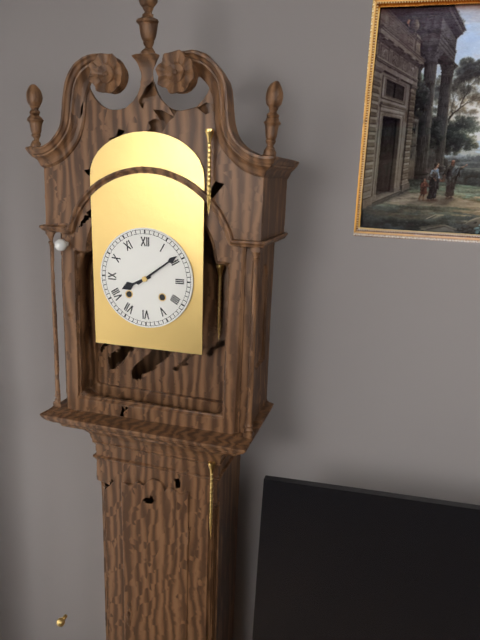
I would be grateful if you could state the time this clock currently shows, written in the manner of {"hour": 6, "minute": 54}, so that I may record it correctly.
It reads {"hour": 8, "minute": 9}
